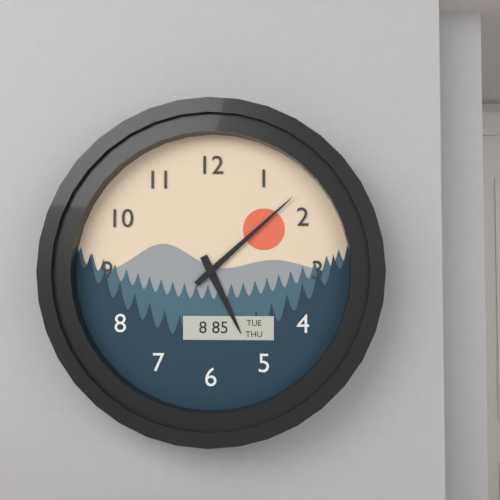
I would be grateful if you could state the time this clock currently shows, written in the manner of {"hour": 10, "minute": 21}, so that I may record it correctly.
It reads {"hour": 5, "minute": 8}
